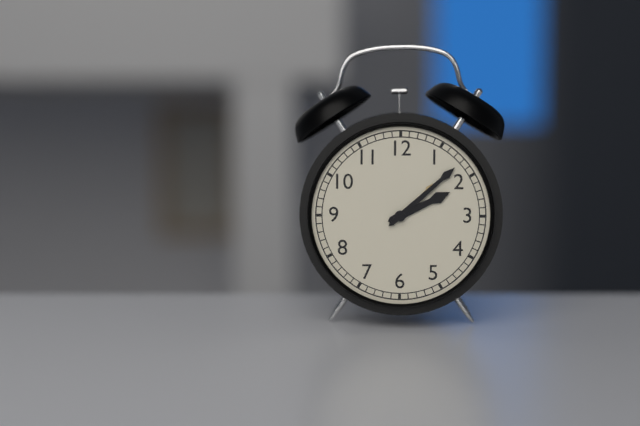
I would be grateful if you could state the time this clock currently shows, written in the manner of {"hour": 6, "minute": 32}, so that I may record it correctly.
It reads {"hour": 2, "minute": 8}
